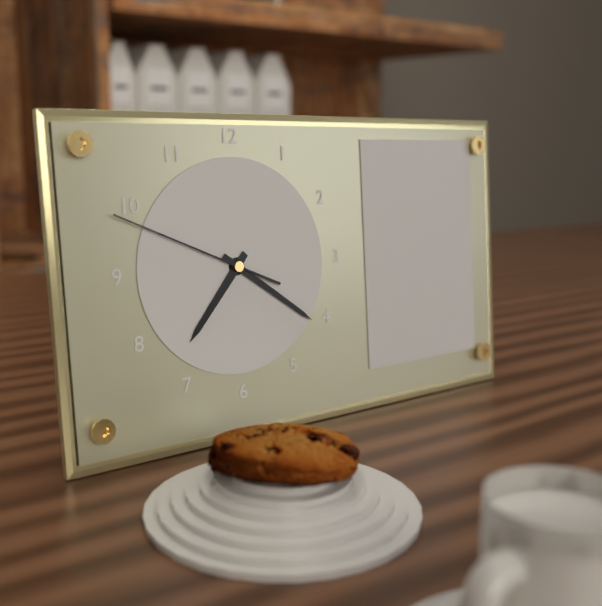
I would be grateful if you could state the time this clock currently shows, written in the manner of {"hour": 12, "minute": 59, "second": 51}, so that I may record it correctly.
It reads {"hour": 7, "minute": 21, "second": 49}
